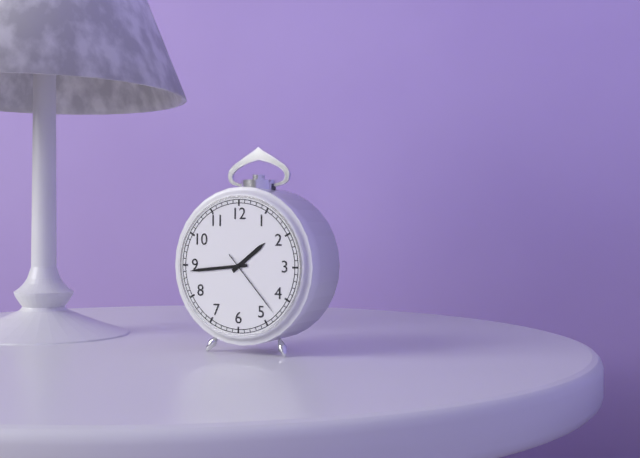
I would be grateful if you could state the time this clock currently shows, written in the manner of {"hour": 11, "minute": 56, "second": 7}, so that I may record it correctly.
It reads {"hour": 1, "minute": 44, "second": 23}
